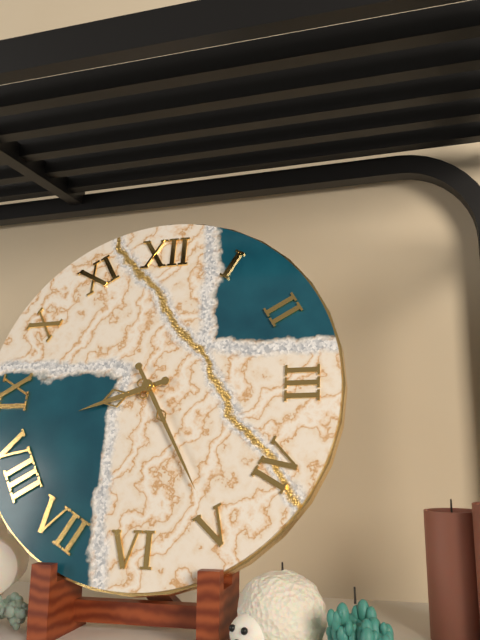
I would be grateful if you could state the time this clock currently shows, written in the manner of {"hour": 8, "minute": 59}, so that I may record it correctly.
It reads {"hour": 8, "minute": 25}
